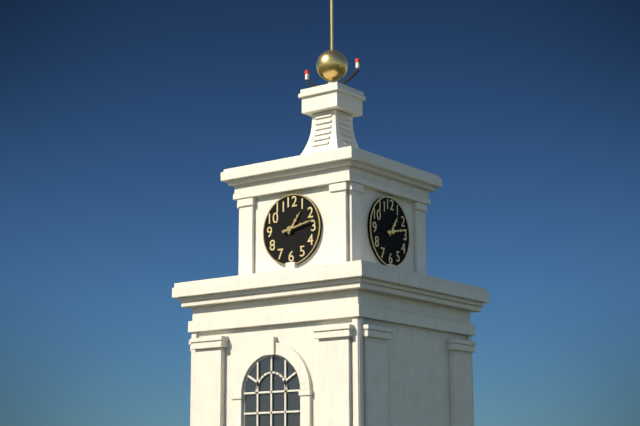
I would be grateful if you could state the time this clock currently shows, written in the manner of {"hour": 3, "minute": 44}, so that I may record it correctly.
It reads {"hour": 1, "minute": 13}
